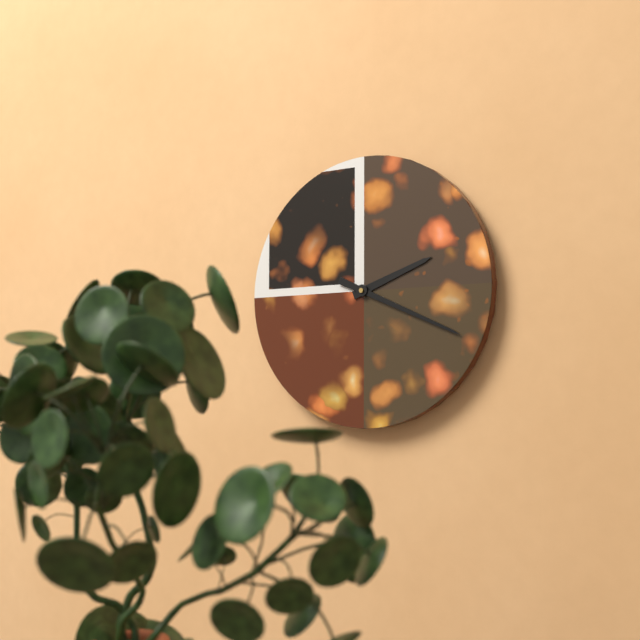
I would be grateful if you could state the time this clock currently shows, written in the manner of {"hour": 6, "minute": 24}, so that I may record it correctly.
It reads {"hour": 2, "minute": 19}
